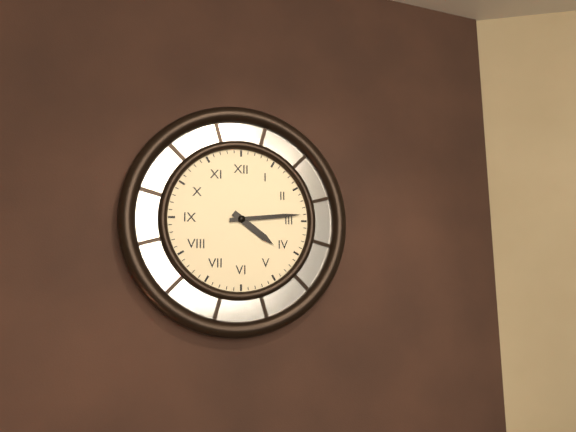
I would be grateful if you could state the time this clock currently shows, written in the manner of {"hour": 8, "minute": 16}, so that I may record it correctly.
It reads {"hour": 4, "minute": 14}
